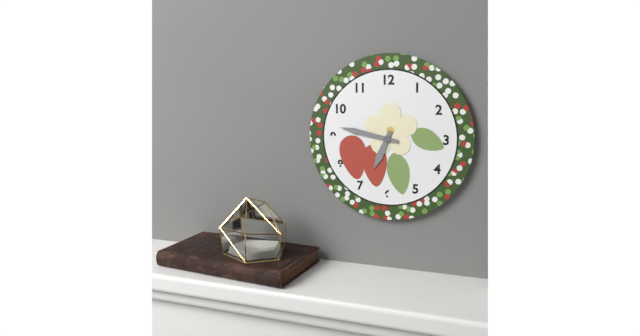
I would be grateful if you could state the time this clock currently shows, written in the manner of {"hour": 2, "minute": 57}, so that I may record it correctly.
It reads {"hour": 6, "minute": 47}
